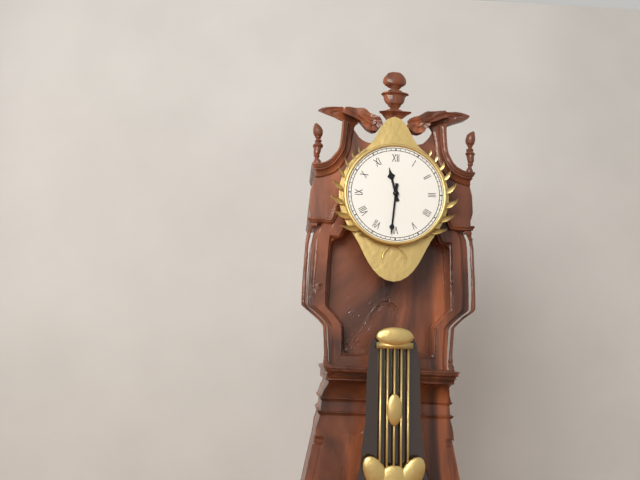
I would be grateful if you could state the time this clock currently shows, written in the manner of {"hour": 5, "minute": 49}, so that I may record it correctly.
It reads {"hour": 11, "minute": 31}
